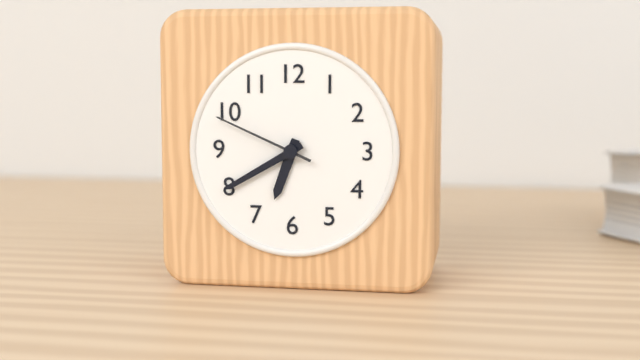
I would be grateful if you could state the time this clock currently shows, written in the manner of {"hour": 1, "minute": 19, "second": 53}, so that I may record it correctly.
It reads {"hour": 6, "minute": 40, "second": 49}
